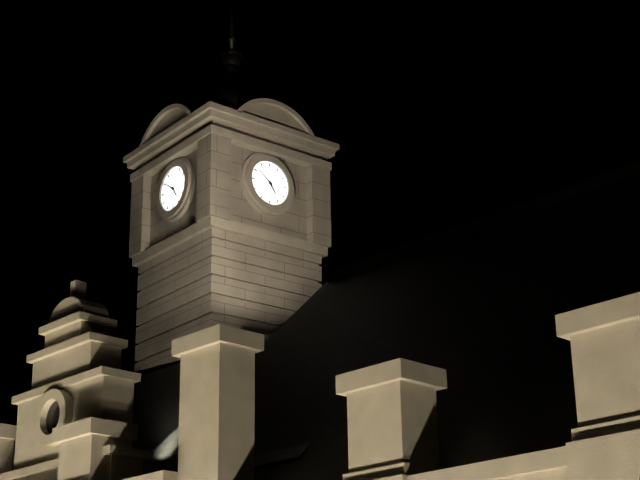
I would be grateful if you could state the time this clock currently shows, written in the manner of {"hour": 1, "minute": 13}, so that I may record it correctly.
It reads {"hour": 4, "minute": 51}
